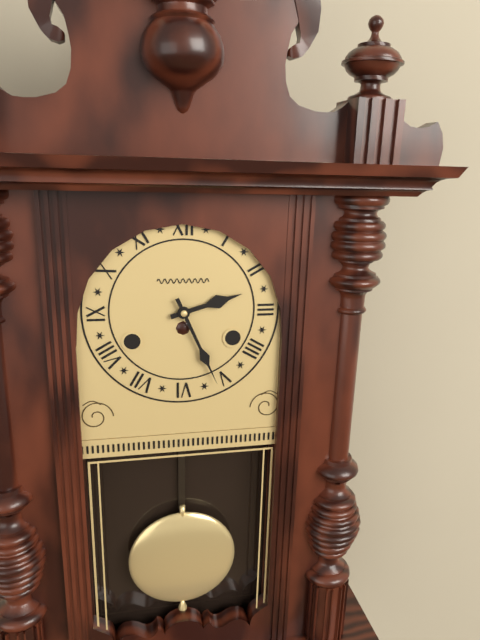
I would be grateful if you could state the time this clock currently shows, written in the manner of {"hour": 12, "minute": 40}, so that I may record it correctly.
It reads {"hour": 2, "minute": 26}
